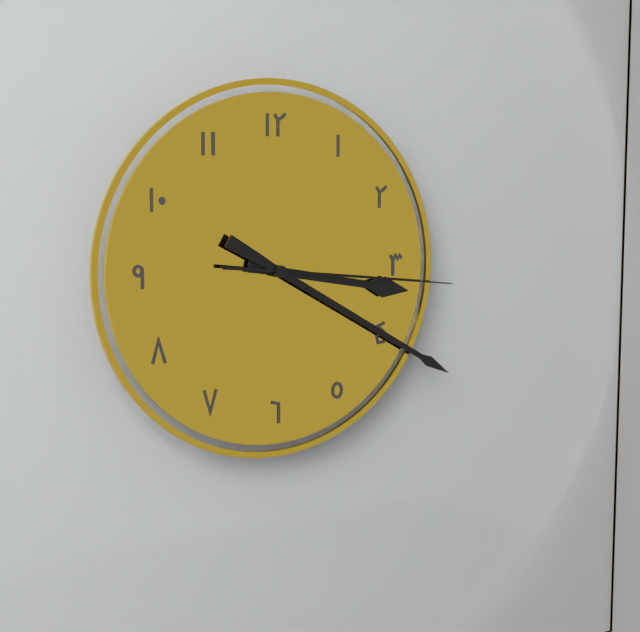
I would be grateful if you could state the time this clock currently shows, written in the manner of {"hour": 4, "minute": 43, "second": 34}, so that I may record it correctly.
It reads {"hour": 3, "minute": 20, "second": 16}
